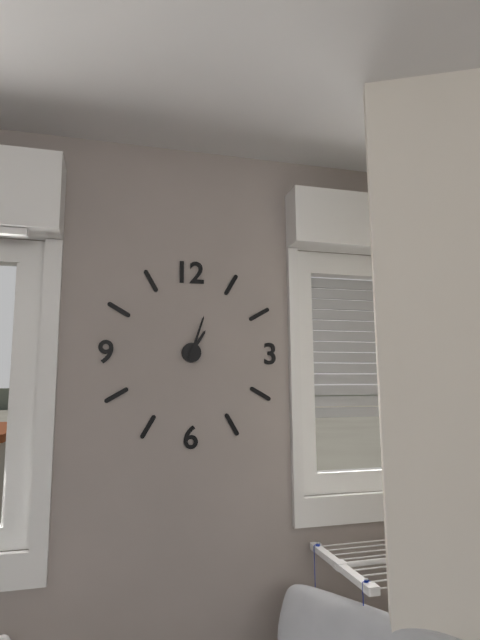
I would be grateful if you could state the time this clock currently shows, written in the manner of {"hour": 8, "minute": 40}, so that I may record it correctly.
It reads {"hour": 1, "minute": 3}
